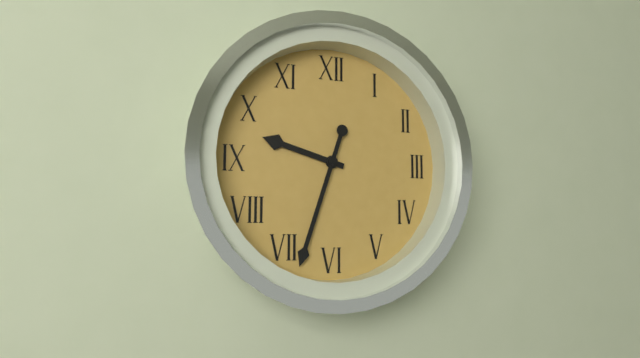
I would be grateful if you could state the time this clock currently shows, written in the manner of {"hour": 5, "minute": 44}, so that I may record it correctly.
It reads {"hour": 9, "minute": 33}
